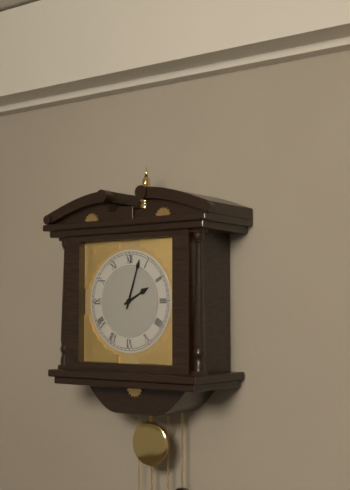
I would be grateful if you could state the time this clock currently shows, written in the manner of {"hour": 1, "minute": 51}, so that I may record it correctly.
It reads {"hour": 2, "minute": 3}
